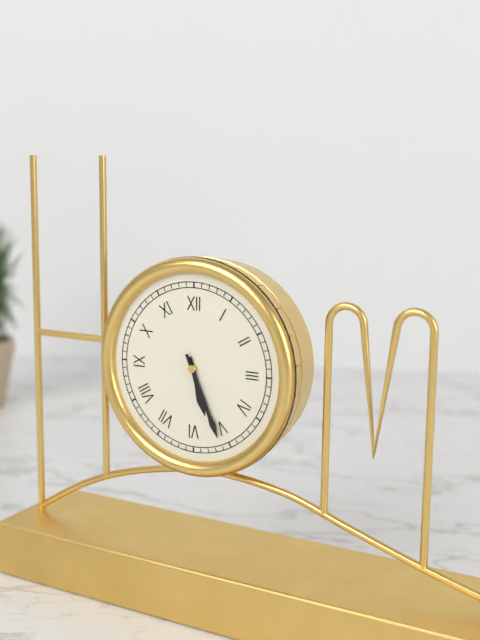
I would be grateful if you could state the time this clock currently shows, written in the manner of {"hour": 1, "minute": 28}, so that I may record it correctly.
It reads {"hour": 5, "minute": 26}
